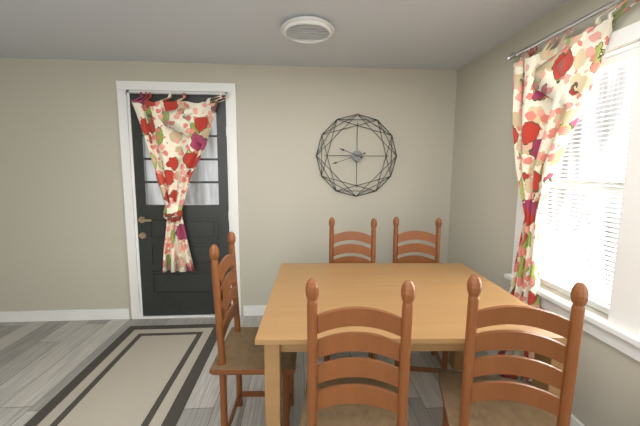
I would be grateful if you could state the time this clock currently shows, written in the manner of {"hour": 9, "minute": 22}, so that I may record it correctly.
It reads {"hour": 9, "minute": 42}
